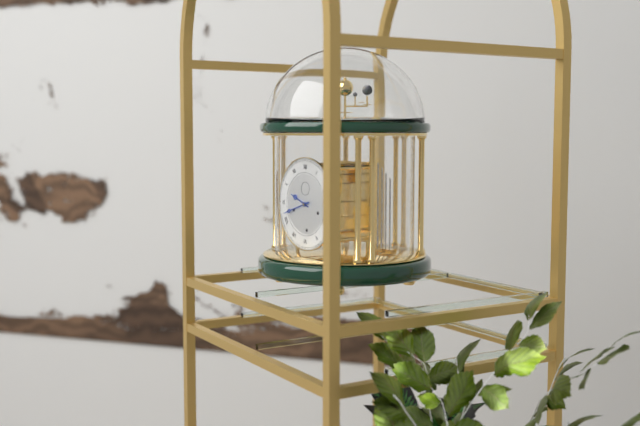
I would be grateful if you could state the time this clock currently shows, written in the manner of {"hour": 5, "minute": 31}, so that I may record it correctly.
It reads {"hour": 9, "minute": 42}
